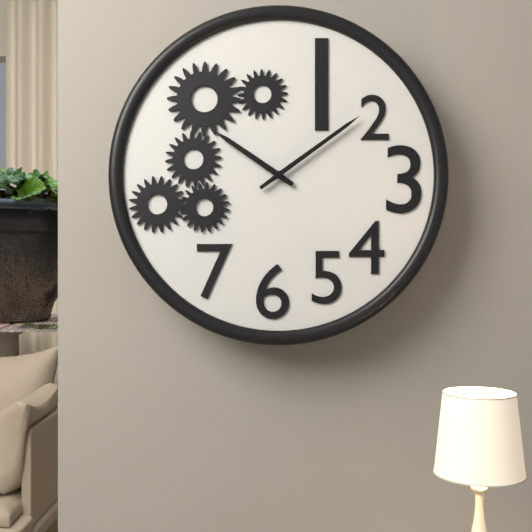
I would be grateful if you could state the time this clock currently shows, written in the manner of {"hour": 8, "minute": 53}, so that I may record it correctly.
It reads {"hour": 10, "minute": 9}
